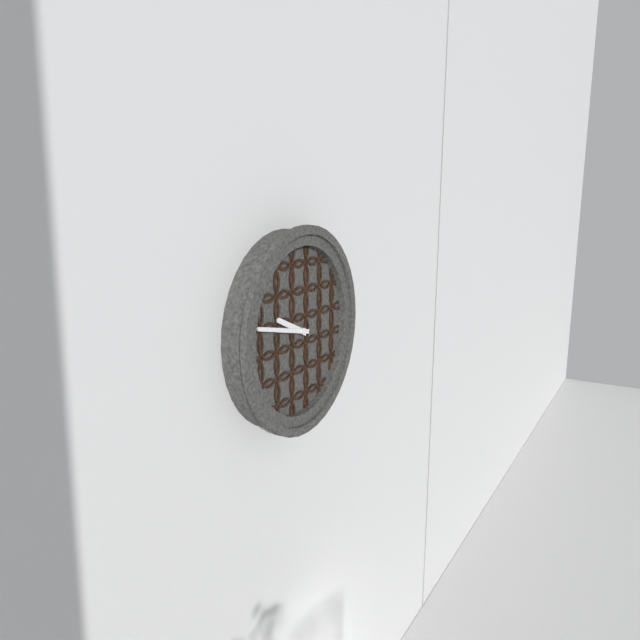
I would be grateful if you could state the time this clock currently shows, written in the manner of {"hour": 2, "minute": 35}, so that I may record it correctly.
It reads {"hour": 9, "minute": 47}
